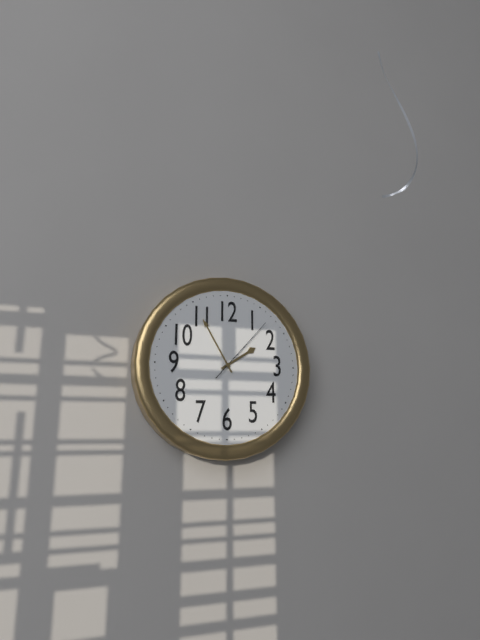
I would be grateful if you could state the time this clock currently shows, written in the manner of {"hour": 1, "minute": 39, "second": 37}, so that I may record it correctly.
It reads {"hour": 1, "minute": 55, "second": 7}
